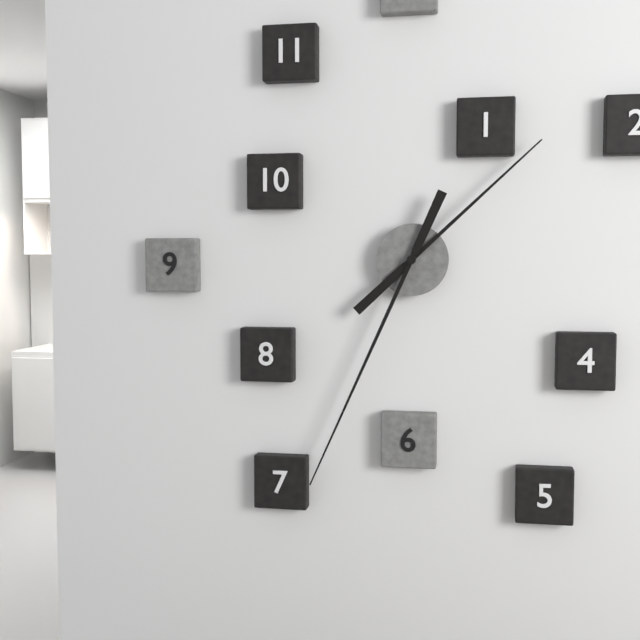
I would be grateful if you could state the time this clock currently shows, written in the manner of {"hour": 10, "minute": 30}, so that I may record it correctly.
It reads {"hour": 1, "minute": 34}
